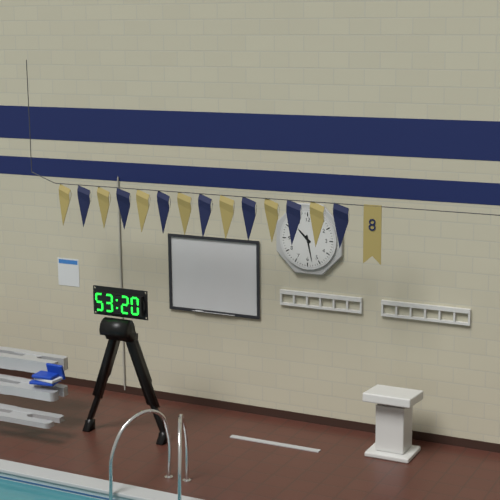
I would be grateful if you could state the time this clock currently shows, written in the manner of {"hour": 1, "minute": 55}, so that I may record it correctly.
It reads {"hour": 10, "minute": 28}
